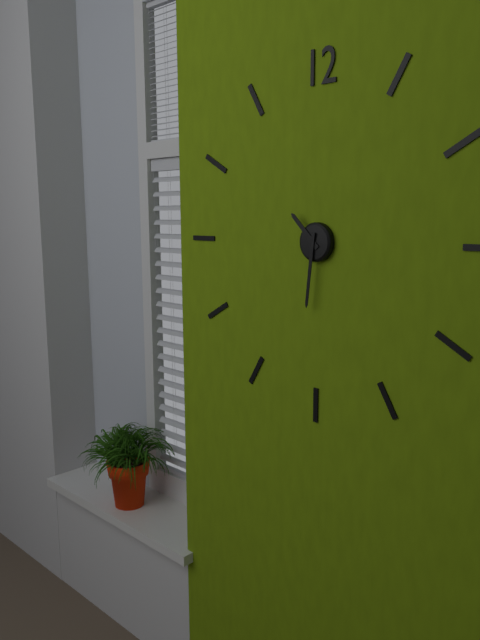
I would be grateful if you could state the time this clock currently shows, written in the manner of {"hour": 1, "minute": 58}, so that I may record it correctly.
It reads {"hour": 10, "minute": 31}
